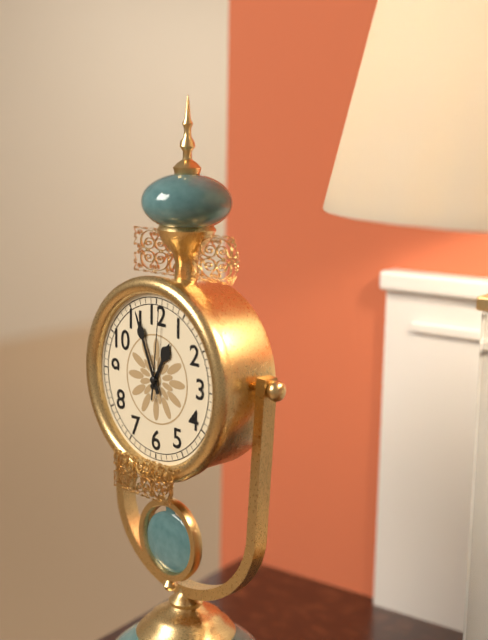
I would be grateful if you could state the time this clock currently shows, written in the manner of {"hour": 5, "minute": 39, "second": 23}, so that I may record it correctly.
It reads {"hour": 12, "minute": 56, "second": 1}
